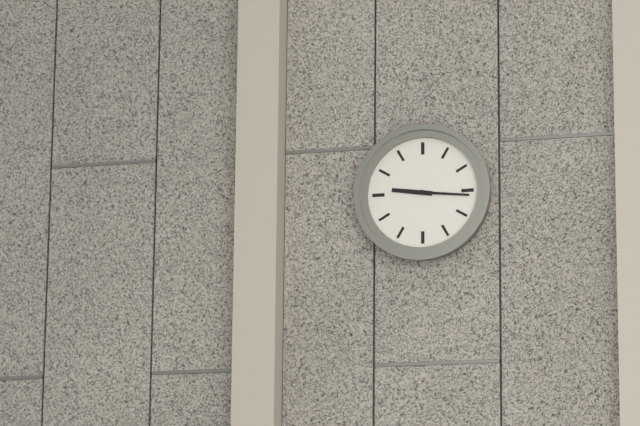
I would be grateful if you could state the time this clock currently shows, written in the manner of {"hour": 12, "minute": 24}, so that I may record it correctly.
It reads {"hour": 9, "minute": 16}
